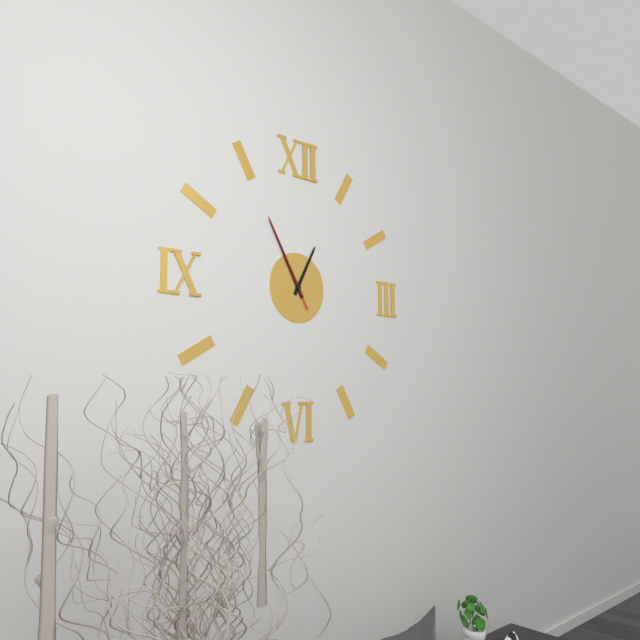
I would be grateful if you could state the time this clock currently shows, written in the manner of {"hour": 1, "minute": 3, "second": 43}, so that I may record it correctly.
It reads {"hour": 12, "minute": 55, "second": 55}
